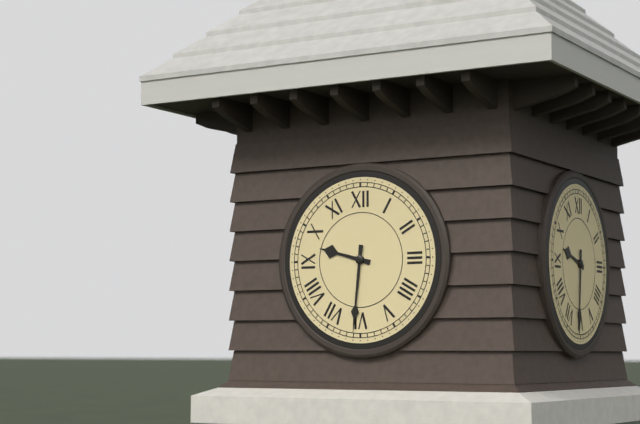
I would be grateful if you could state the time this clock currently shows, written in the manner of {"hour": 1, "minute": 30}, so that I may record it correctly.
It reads {"hour": 9, "minute": 31}
